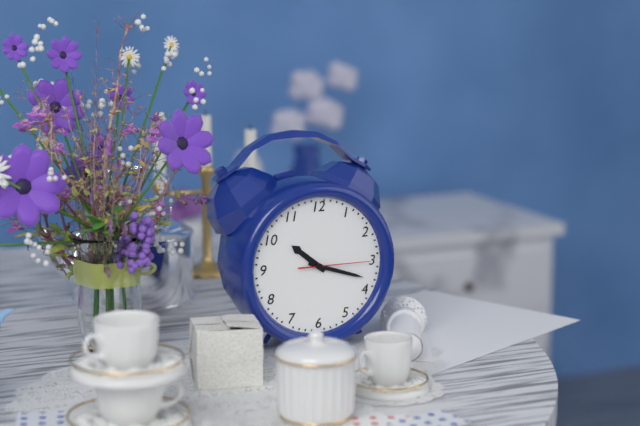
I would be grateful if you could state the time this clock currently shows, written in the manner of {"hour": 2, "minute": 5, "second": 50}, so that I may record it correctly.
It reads {"hour": 10, "minute": 18, "second": 15}
